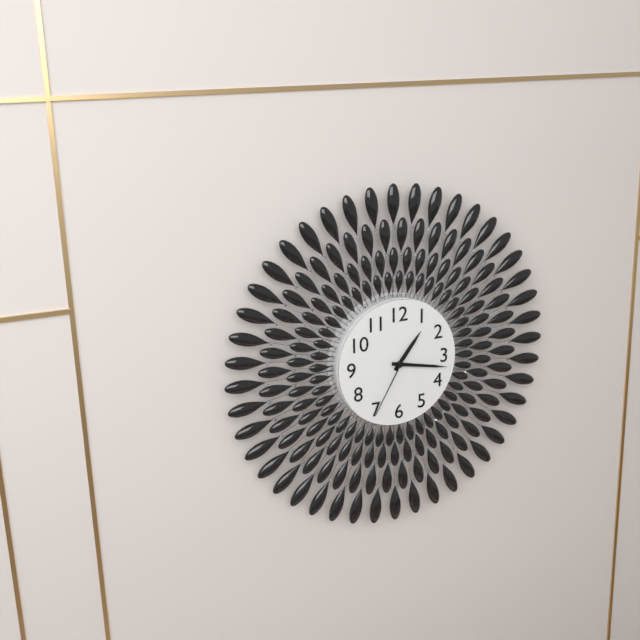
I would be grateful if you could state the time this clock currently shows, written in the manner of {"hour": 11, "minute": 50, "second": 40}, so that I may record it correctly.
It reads {"hour": 1, "minute": 17, "second": 35}
